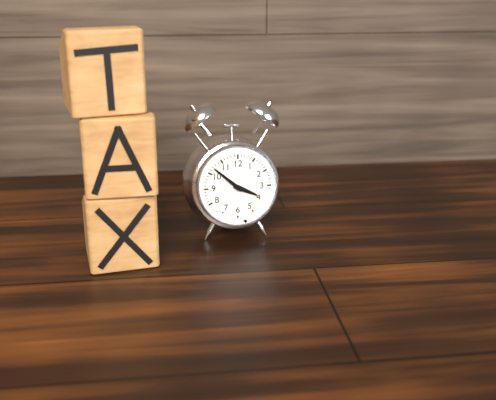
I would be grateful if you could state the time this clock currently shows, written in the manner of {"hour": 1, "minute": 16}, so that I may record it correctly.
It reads {"hour": 3, "minute": 52}
